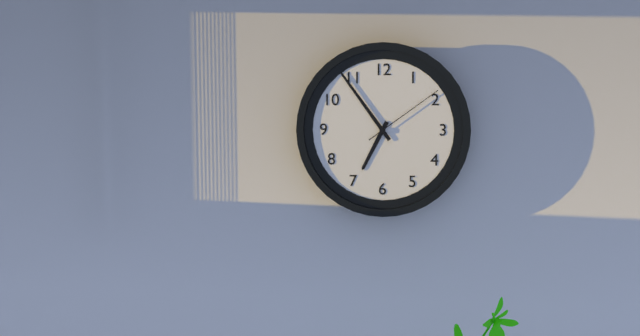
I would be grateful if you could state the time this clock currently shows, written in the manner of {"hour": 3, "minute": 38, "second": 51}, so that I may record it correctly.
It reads {"hour": 6, "minute": 54, "second": 9}
